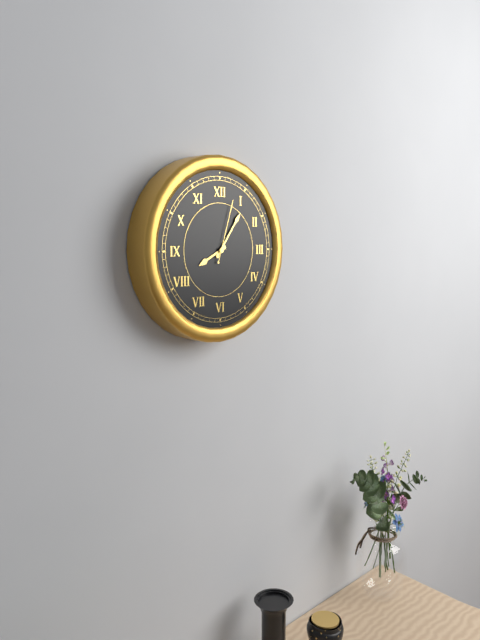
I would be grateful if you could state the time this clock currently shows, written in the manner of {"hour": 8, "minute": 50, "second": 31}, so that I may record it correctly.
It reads {"hour": 8, "minute": 6, "second": 3}
